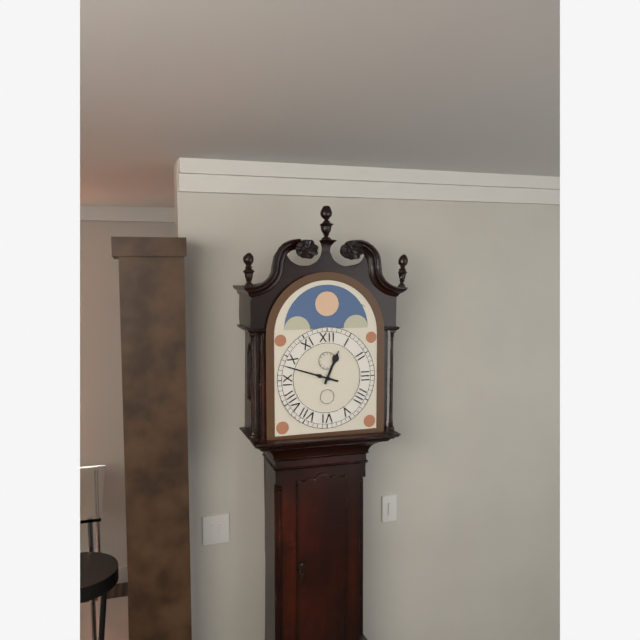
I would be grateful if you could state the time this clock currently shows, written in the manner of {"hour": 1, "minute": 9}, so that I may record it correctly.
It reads {"hour": 12, "minute": 48}
